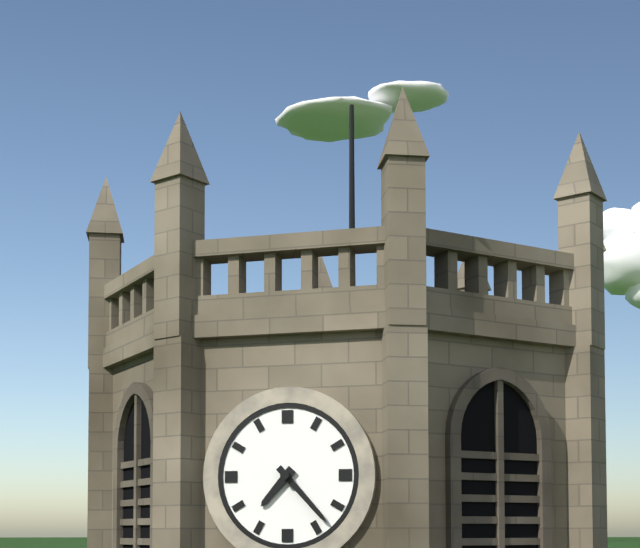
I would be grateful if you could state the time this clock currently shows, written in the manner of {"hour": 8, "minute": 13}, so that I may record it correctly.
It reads {"hour": 7, "minute": 23}
